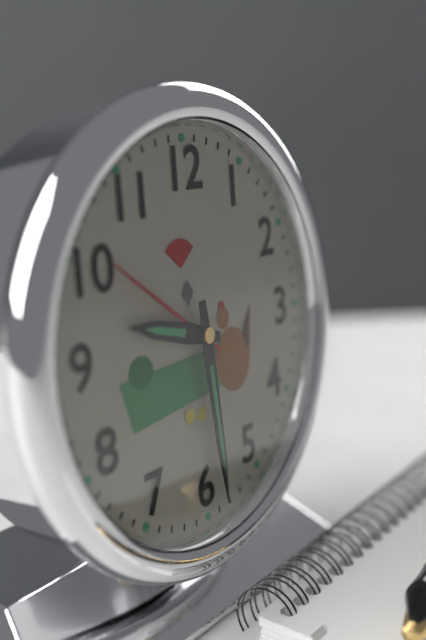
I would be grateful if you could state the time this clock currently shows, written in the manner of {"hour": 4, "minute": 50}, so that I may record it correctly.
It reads {"hour": 9, "minute": 29}
